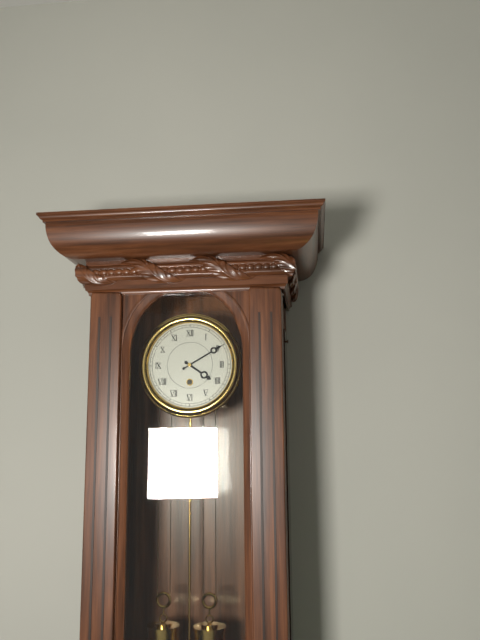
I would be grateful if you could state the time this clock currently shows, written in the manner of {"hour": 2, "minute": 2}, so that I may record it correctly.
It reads {"hour": 4, "minute": 10}
